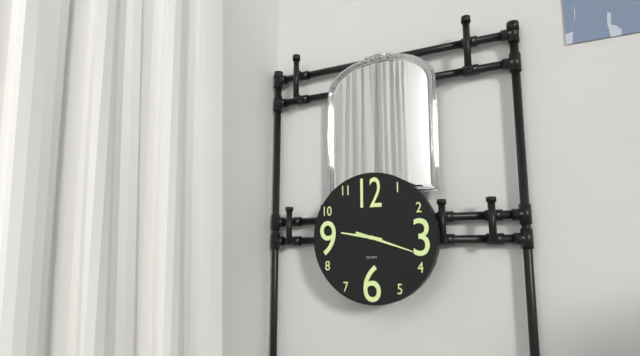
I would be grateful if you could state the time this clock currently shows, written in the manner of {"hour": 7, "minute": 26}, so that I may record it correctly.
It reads {"hour": 9, "minute": 18}
